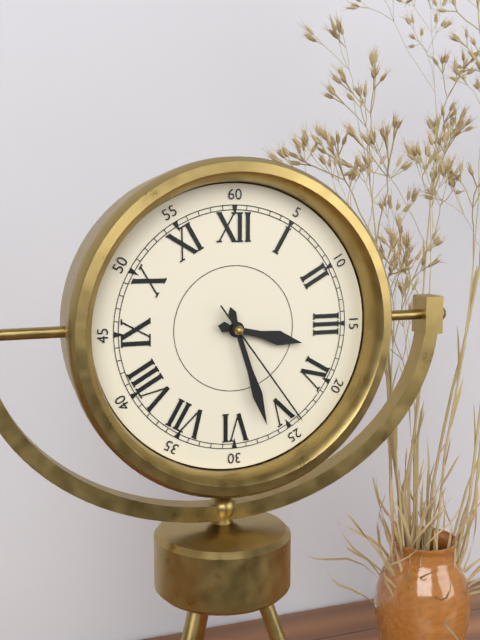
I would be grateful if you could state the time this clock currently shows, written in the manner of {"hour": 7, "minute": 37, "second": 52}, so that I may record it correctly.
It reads {"hour": 3, "minute": 27, "second": 24}
